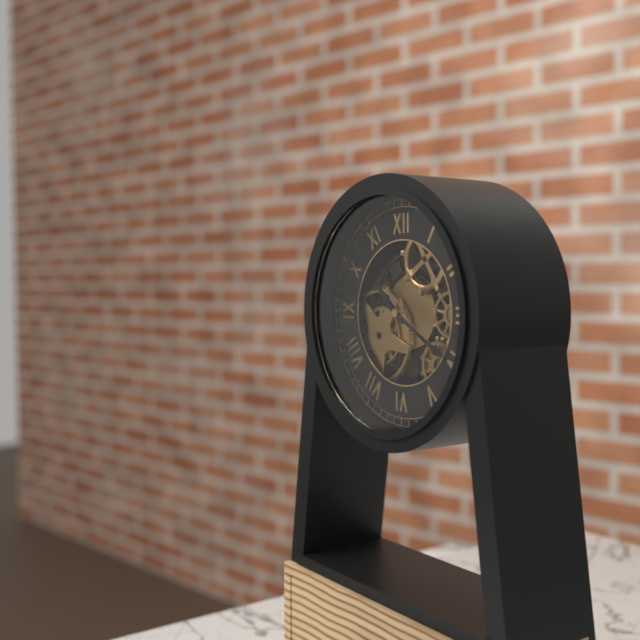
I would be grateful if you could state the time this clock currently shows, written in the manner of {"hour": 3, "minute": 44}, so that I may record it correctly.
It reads {"hour": 10, "minute": 20}
